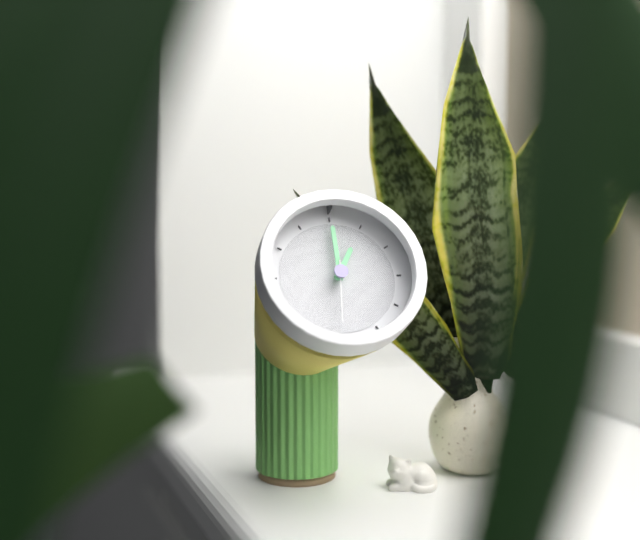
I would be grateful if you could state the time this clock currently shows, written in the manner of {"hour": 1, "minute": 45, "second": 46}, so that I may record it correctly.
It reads {"hour": 1, "minute": 0, "second": 31}
